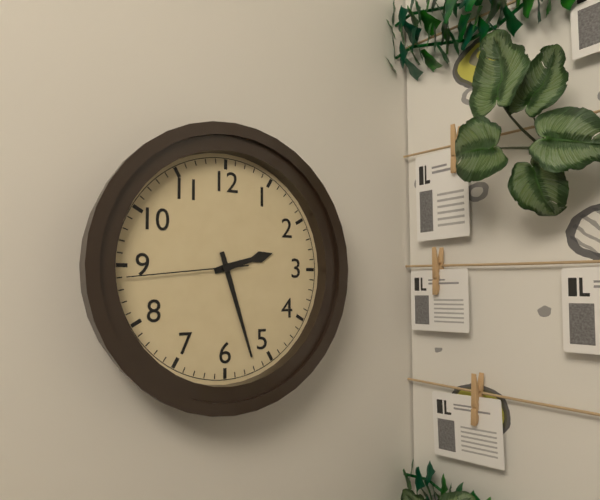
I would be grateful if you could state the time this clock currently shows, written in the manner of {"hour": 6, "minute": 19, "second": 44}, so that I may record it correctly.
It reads {"hour": 2, "minute": 27, "second": 44}
